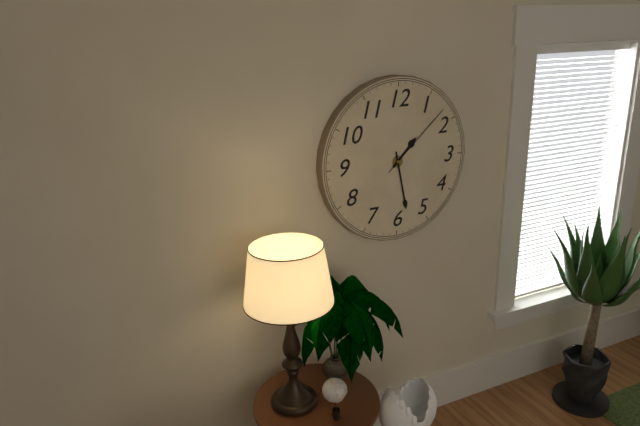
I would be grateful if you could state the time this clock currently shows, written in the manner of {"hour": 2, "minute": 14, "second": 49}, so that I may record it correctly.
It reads {"hour": 1, "minute": 28, "second": 8}
